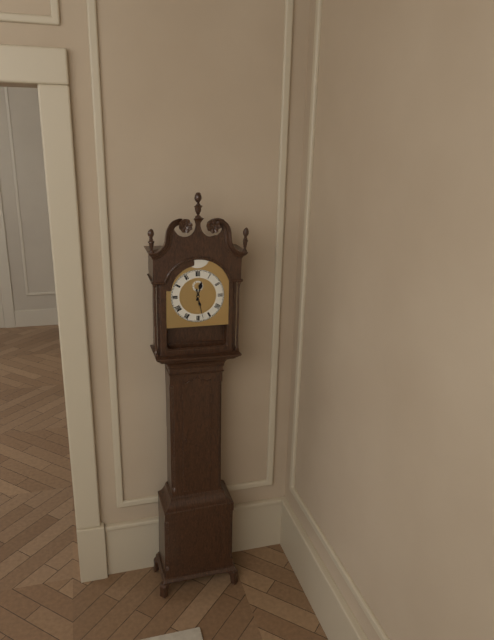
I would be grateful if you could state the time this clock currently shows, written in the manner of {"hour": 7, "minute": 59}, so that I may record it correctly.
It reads {"hour": 12, "minute": 28}
